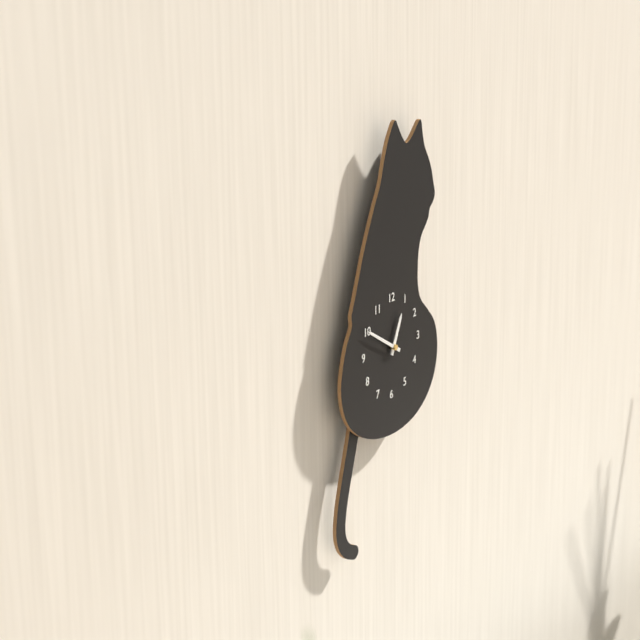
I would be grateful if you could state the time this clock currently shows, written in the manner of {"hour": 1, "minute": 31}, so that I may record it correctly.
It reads {"hour": 12, "minute": 50}
